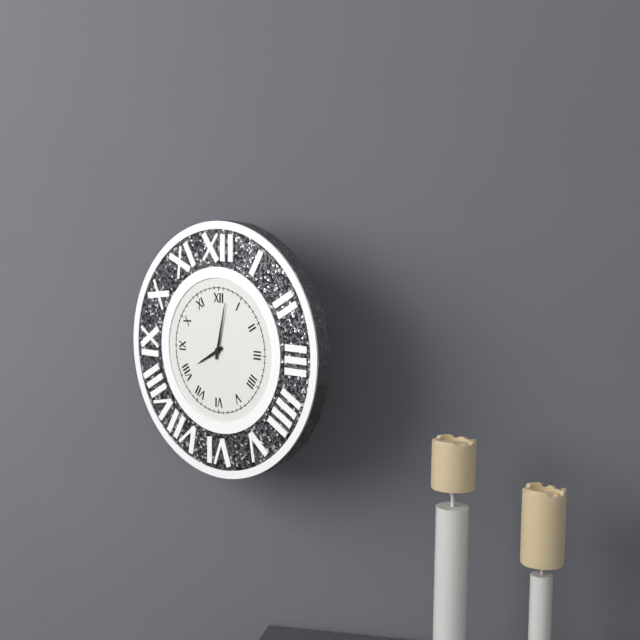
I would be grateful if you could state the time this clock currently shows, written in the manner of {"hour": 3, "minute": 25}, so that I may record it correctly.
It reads {"hour": 8, "minute": 2}
